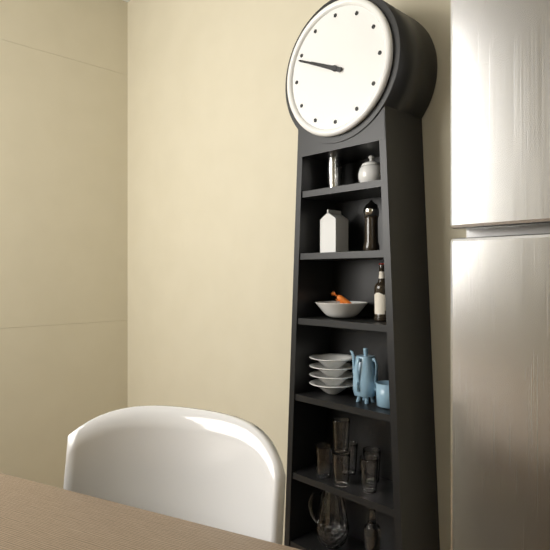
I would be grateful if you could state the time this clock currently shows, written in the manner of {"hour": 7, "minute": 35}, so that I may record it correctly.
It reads {"hour": 9, "minute": 49}
